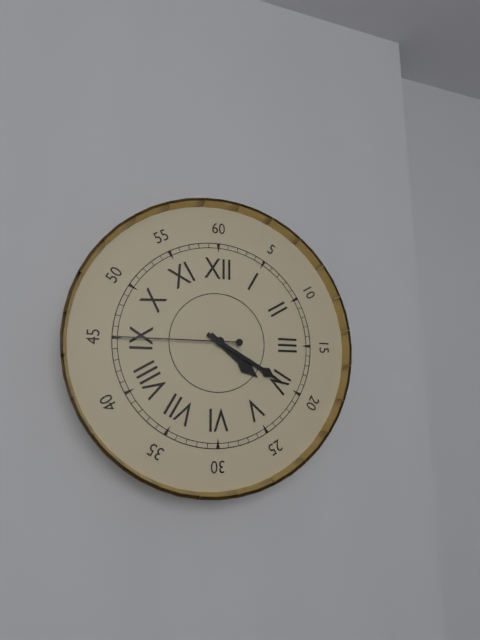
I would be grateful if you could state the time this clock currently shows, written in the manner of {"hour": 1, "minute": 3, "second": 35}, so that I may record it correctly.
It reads {"hour": 4, "minute": 20, "second": 45}
